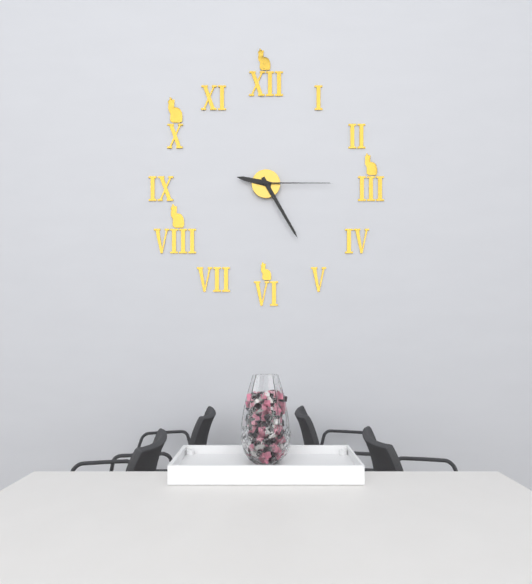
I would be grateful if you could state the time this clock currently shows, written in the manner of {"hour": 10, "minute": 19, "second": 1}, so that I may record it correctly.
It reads {"hour": 9, "minute": 25, "second": 15}
